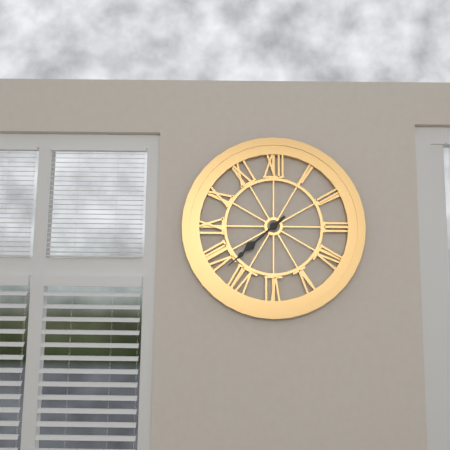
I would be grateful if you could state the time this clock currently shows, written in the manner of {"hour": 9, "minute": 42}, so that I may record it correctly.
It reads {"hour": 7, "minute": 38}
